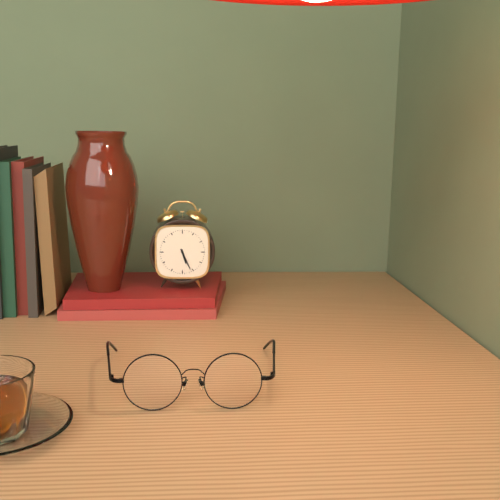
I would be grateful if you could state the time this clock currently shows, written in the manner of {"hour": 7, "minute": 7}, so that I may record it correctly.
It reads {"hour": 5, "minute": 26}
